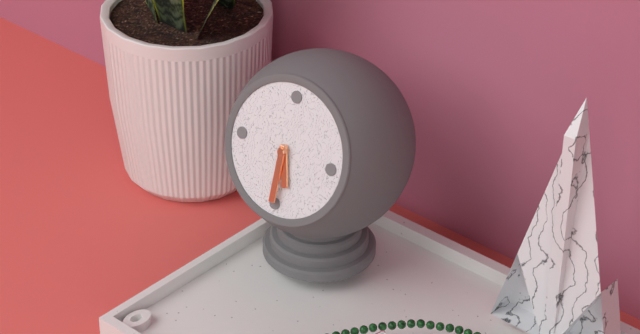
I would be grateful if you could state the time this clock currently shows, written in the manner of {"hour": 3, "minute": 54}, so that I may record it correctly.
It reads {"hour": 5, "minute": 30}
